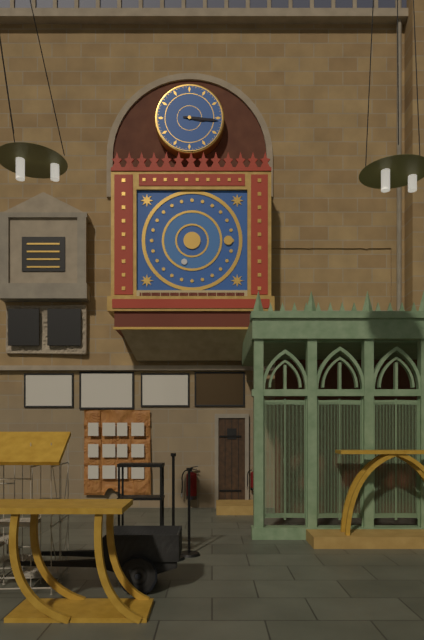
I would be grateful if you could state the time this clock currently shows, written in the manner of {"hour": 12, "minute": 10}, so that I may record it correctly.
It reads {"hour": 3, "minute": 16}
